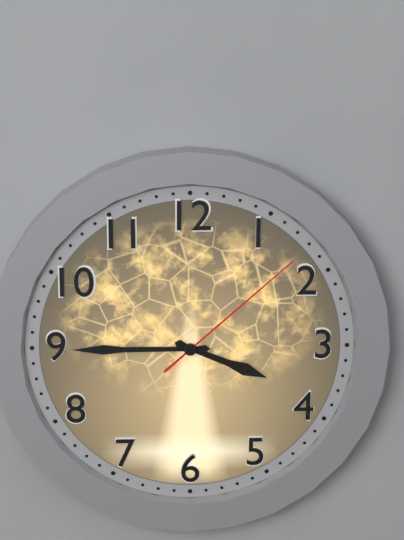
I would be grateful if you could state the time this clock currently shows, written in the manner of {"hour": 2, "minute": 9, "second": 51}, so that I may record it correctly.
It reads {"hour": 3, "minute": 45, "second": 8}
